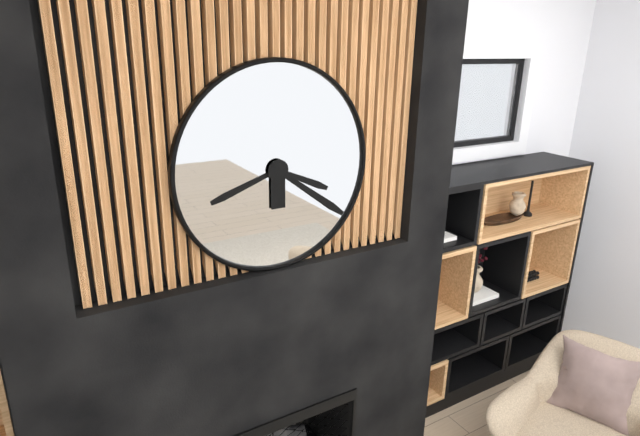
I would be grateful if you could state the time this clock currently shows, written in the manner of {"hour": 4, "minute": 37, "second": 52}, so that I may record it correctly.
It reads {"hour": 8, "minute": 21, "second": 19}
